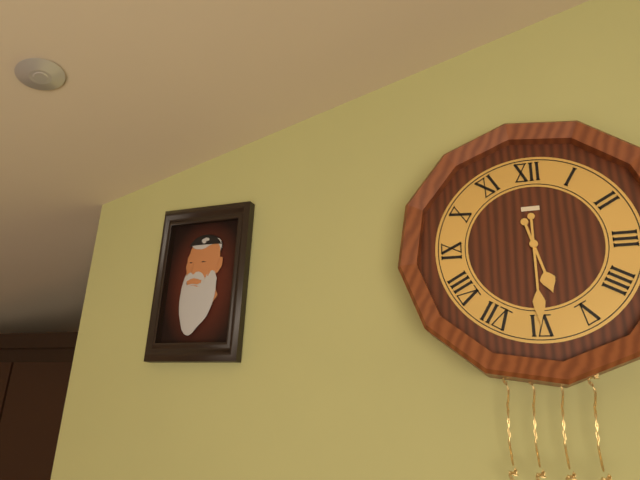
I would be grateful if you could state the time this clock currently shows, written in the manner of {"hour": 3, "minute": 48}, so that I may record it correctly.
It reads {"hour": 5, "minute": 30}
